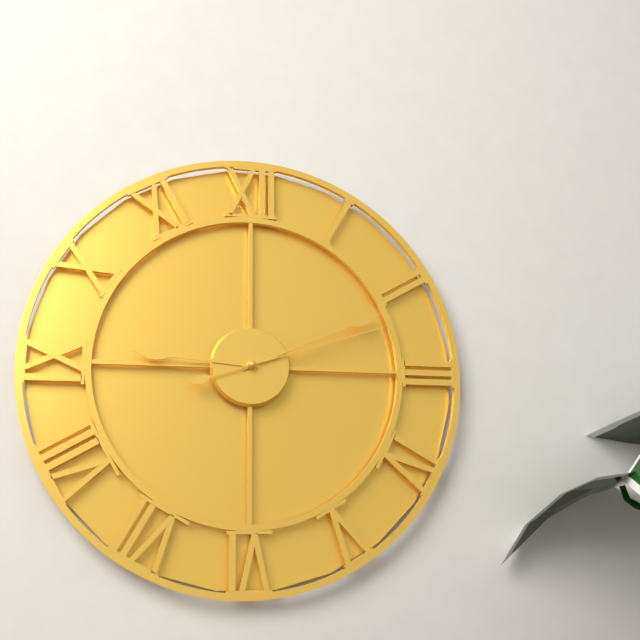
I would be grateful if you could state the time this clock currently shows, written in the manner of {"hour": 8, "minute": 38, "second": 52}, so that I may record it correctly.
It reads {"hour": 9, "minute": 11, "second": 12}
